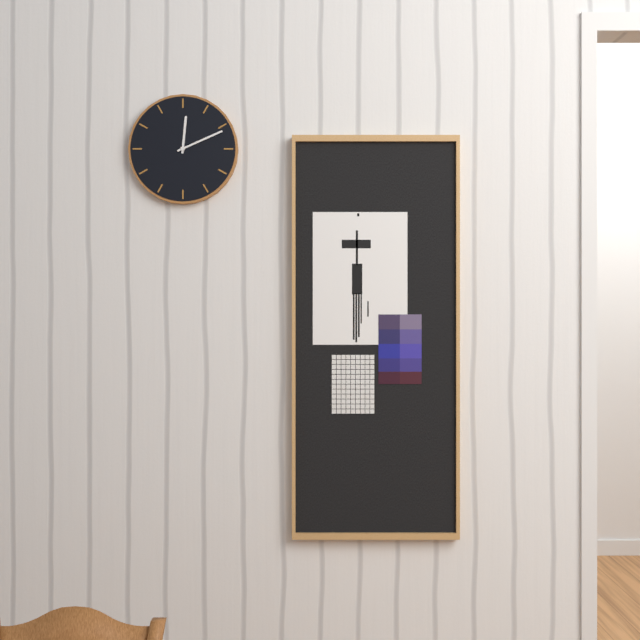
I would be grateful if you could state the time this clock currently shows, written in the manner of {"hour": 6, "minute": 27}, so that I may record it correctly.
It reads {"hour": 12, "minute": 11}
